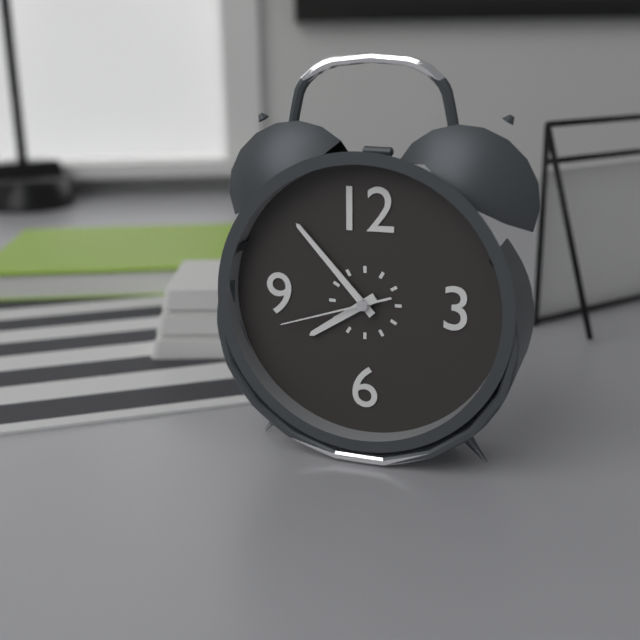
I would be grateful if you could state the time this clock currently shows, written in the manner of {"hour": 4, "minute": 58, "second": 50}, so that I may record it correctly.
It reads {"hour": 7, "minute": 53, "second": 42}
